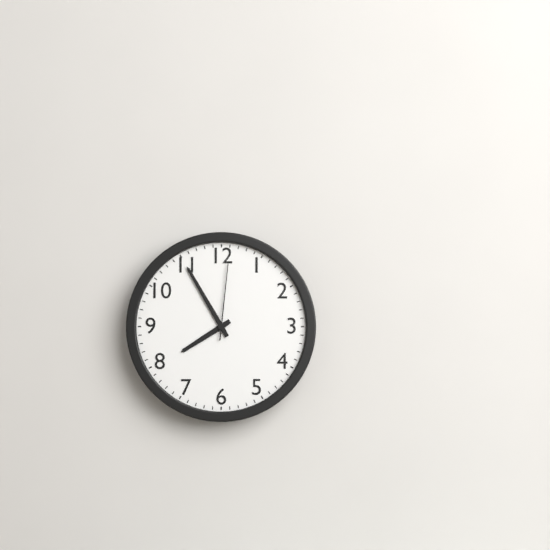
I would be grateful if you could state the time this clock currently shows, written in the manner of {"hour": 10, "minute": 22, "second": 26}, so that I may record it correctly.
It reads {"hour": 7, "minute": 55, "second": 1}
